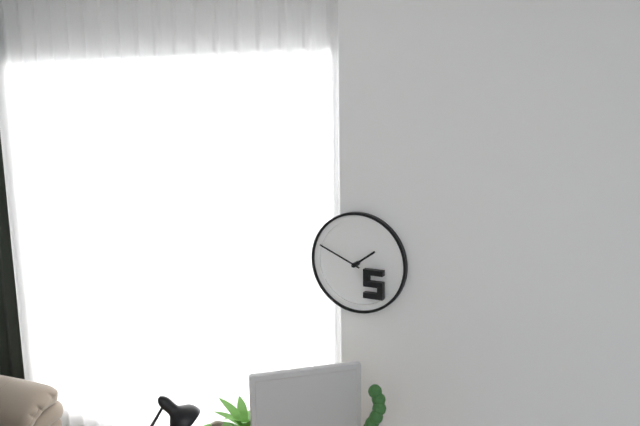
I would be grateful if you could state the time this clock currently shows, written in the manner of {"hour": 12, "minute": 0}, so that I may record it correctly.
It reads {"hour": 1, "minute": 49}
